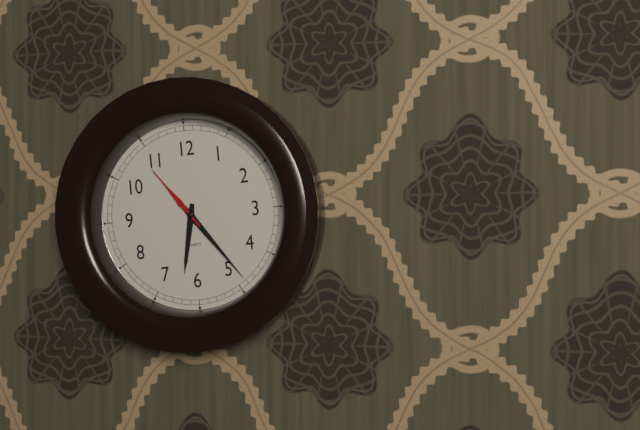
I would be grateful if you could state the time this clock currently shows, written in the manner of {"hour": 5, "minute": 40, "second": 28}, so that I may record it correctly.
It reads {"hour": 6, "minute": 24, "second": 54}
